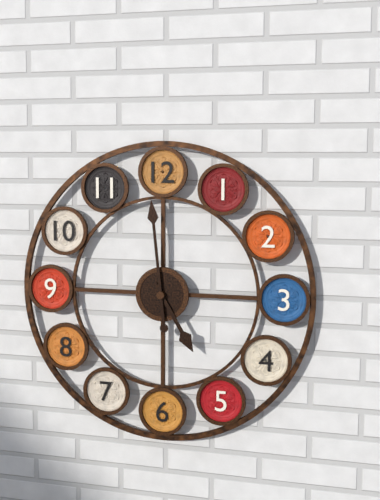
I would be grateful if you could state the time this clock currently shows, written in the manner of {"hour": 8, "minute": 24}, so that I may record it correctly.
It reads {"hour": 4, "minute": 59}
